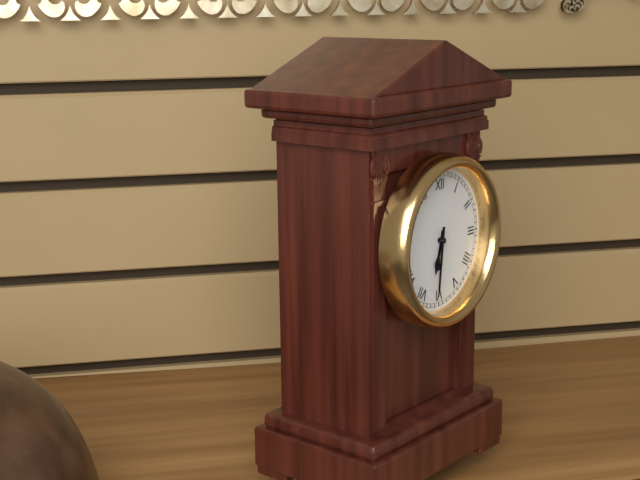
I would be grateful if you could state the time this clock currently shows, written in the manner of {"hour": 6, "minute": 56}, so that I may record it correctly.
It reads {"hour": 6, "minute": 31}
